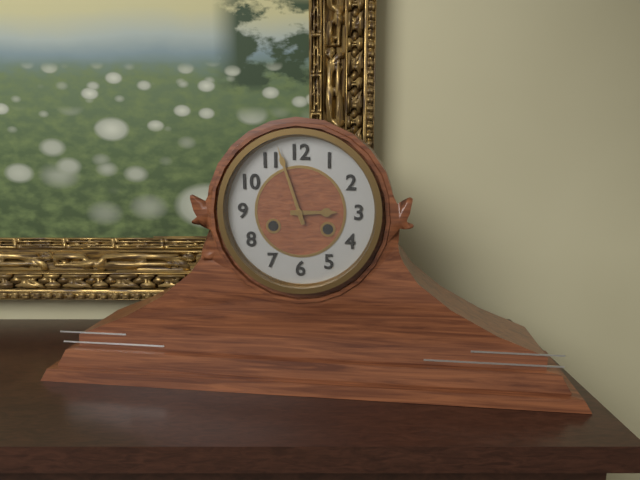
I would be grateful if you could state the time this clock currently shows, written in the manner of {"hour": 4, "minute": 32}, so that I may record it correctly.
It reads {"hour": 2, "minute": 57}
